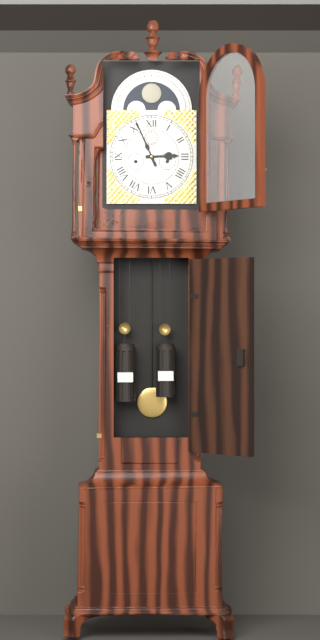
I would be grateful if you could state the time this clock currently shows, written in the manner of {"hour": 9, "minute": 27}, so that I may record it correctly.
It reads {"hour": 2, "minute": 56}
